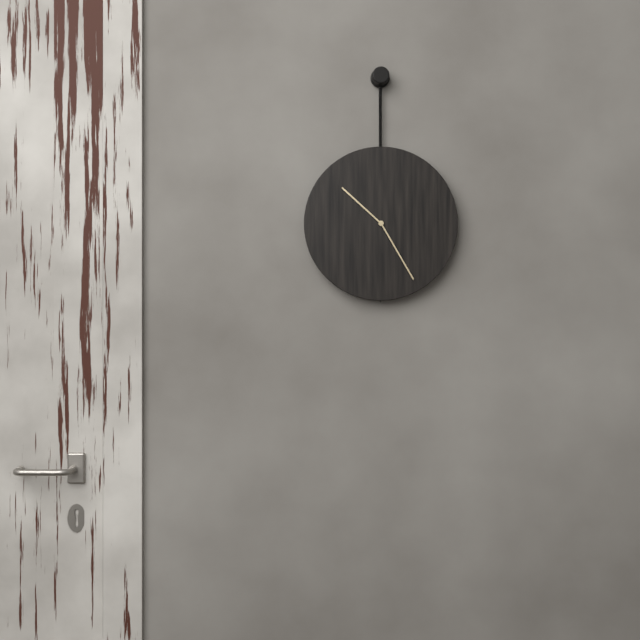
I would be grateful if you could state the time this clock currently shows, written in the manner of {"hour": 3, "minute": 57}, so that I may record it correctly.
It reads {"hour": 10, "minute": 25}
